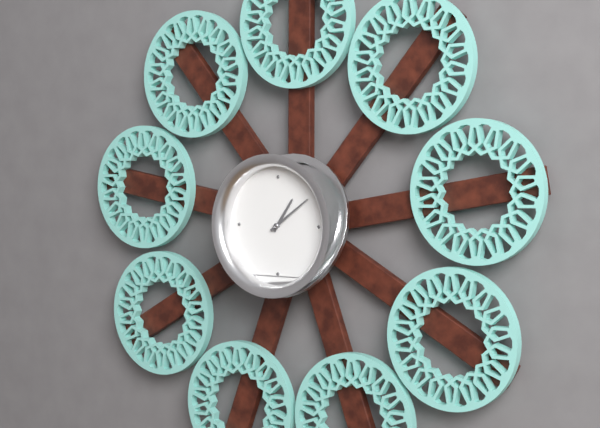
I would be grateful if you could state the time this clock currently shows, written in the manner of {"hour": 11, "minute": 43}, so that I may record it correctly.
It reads {"hour": 1, "minute": 9}
